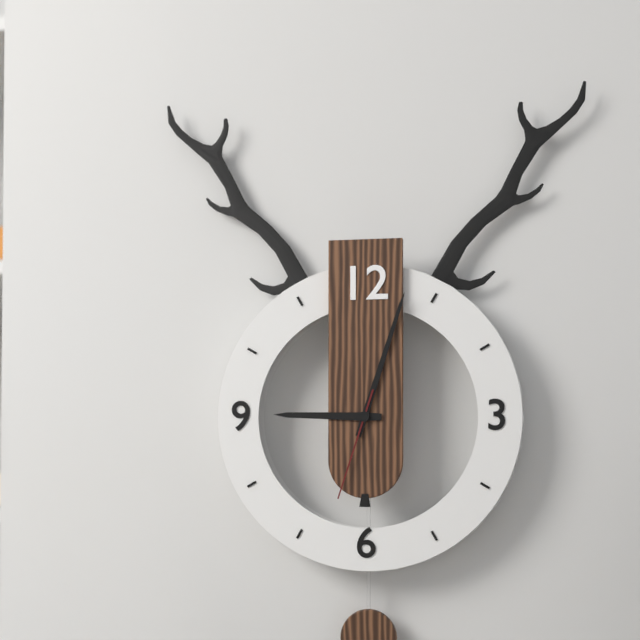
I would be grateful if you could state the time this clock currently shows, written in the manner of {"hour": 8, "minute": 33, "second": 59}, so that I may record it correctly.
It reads {"hour": 9, "minute": 3, "second": 33}
